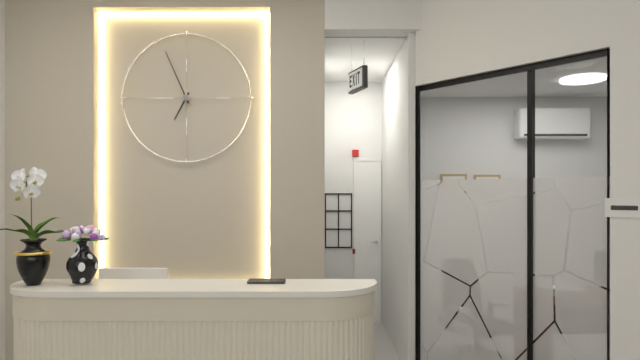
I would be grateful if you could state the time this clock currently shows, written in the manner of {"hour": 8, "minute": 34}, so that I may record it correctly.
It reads {"hour": 6, "minute": 56}
